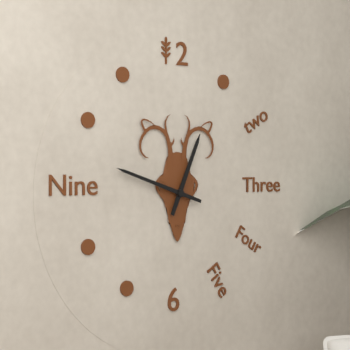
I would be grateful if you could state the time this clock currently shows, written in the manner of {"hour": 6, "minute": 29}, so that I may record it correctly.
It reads {"hour": 12, "minute": 48}
